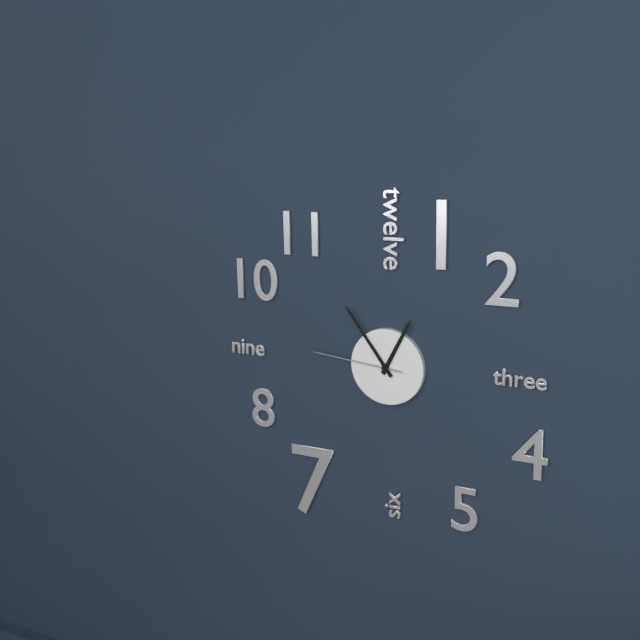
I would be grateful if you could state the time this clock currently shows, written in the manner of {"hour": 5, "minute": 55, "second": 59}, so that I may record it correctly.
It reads {"hour": 12, "minute": 54, "second": 46}
